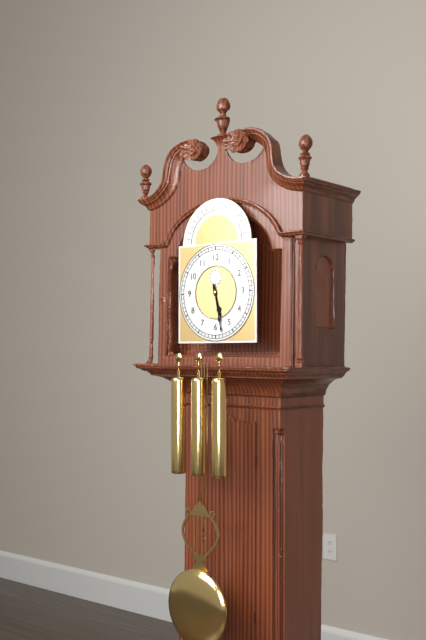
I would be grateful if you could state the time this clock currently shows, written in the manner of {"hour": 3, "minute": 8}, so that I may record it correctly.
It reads {"hour": 5, "minute": 28}
